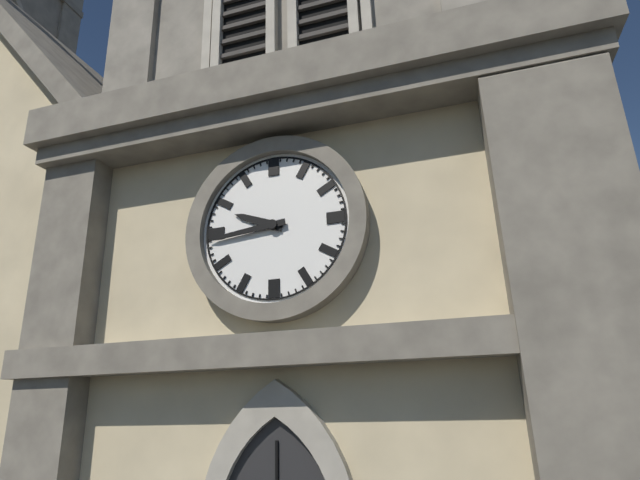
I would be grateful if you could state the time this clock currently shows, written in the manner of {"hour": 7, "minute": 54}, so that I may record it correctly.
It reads {"hour": 9, "minute": 44}
